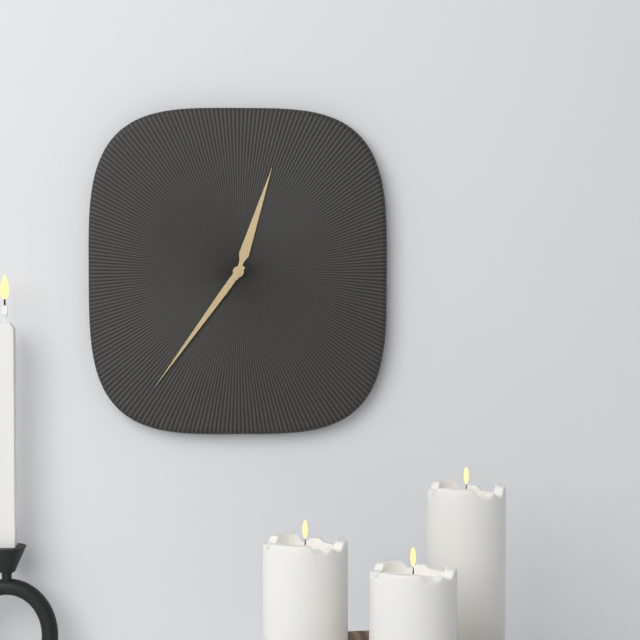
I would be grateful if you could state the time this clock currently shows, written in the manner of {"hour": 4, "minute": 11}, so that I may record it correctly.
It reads {"hour": 12, "minute": 36}
